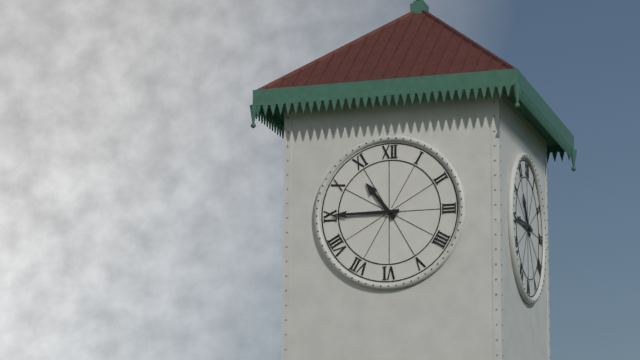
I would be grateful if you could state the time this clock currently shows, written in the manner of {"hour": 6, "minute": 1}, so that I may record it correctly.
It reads {"hour": 10, "minute": 45}
